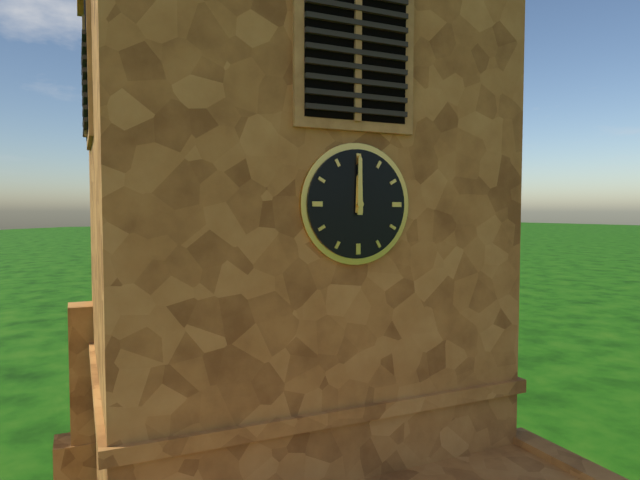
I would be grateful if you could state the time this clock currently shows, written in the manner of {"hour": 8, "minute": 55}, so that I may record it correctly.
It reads {"hour": 12, "minute": 0}
